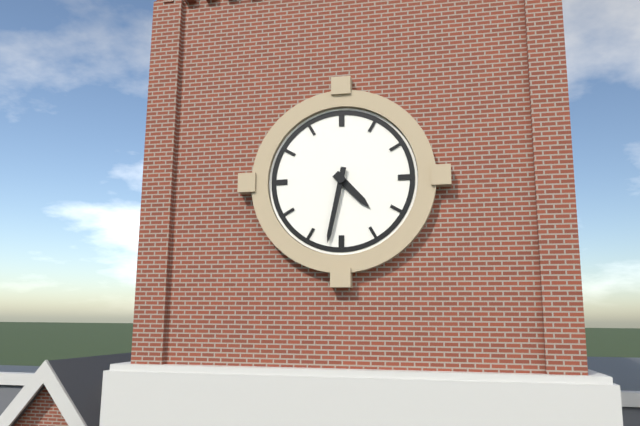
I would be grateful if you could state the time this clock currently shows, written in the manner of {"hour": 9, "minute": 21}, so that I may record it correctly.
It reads {"hour": 4, "minute": 32}
